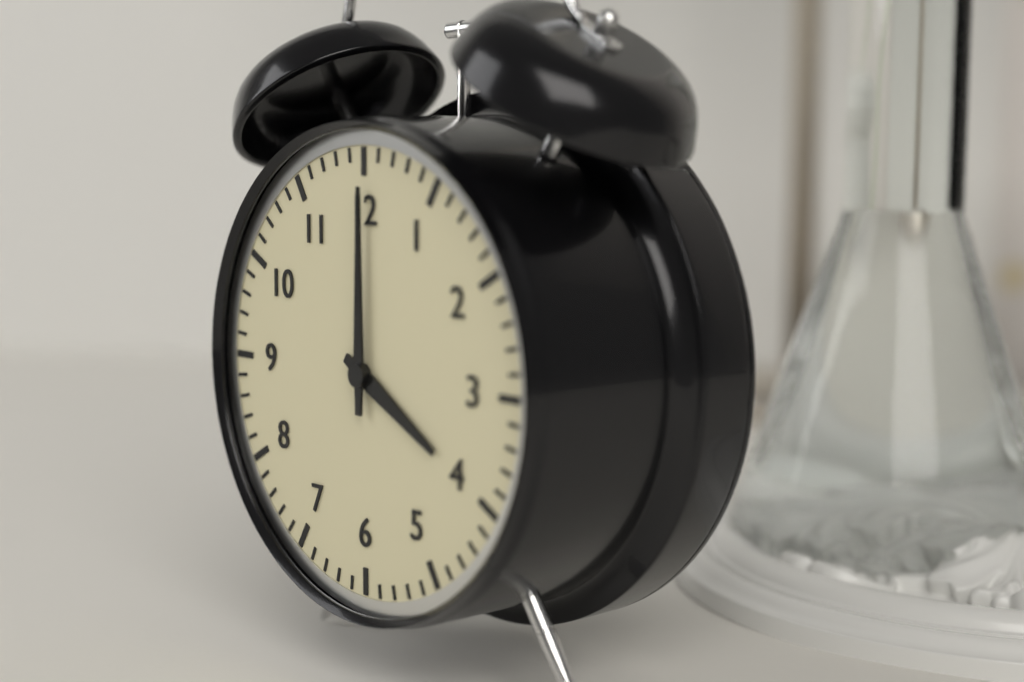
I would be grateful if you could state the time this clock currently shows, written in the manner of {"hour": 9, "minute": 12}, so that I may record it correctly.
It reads {"hour": 4, "minute": 0}
